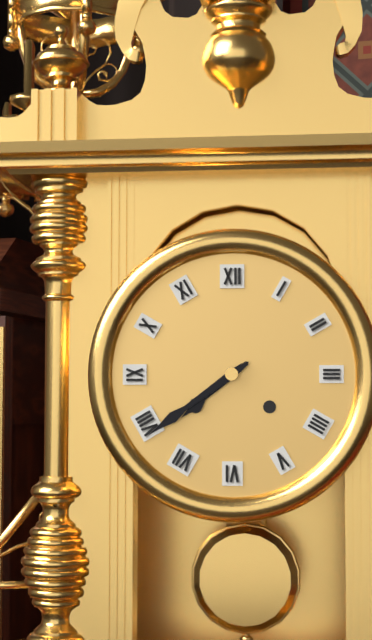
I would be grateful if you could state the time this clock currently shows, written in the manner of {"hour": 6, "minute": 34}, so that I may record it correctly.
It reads {"hour": 7, "minute": 39}
